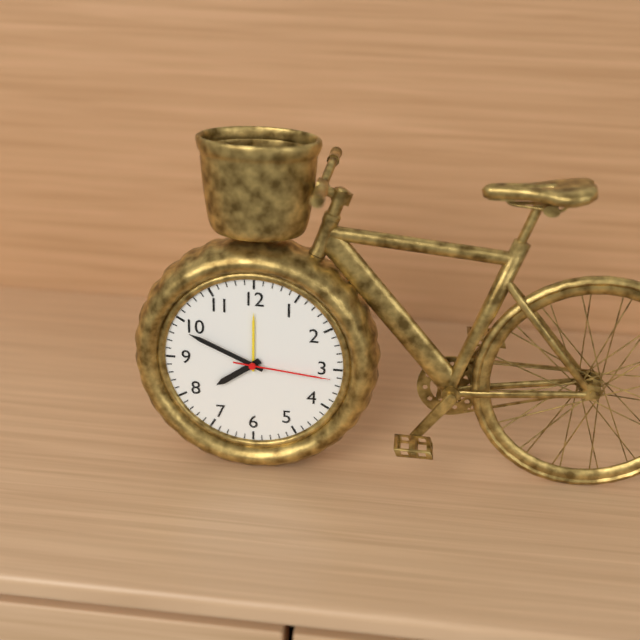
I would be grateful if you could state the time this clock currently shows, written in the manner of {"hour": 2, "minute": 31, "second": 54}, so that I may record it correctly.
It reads {"hour": 7, "minute": 49, "second": 16}
